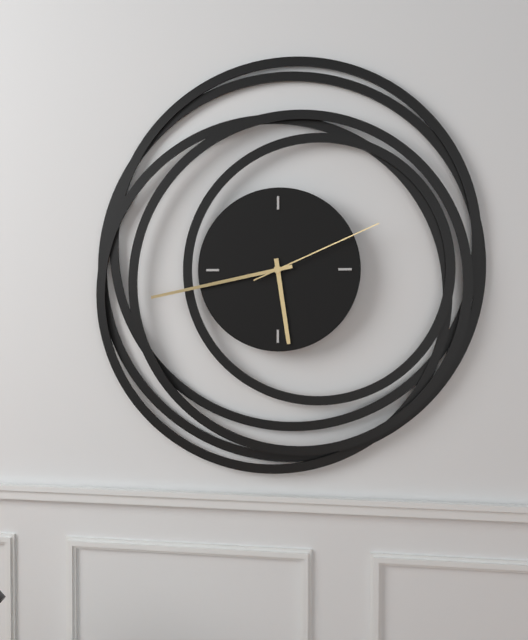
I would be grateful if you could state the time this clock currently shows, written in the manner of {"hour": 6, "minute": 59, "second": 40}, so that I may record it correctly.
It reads {"hour": 5, "minute": 43, "second": 11}
